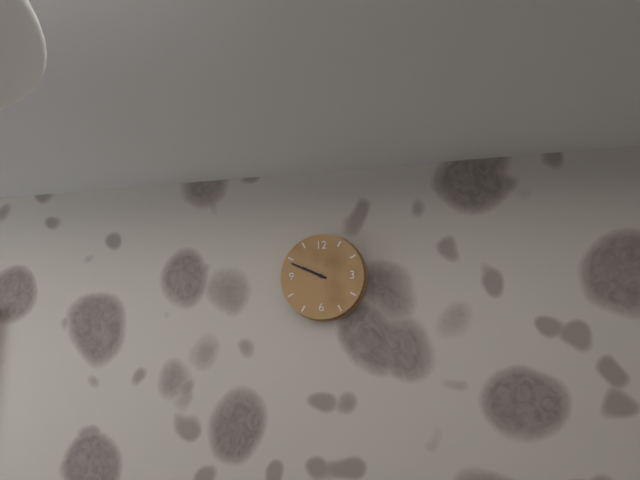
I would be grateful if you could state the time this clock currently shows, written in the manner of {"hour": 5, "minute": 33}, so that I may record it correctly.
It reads {"hour": 9, "minute": 49}
